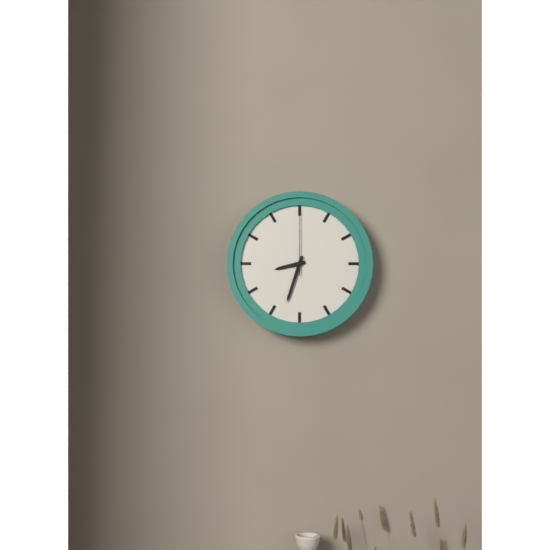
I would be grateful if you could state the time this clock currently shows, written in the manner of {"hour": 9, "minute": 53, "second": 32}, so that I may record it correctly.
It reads {"hour": 8, "minute": 33, "second": 0}
